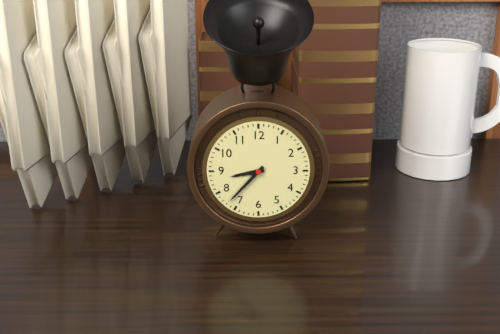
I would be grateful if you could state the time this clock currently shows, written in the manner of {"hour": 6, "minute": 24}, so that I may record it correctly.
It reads {"hour": 8, "minute": 37}
